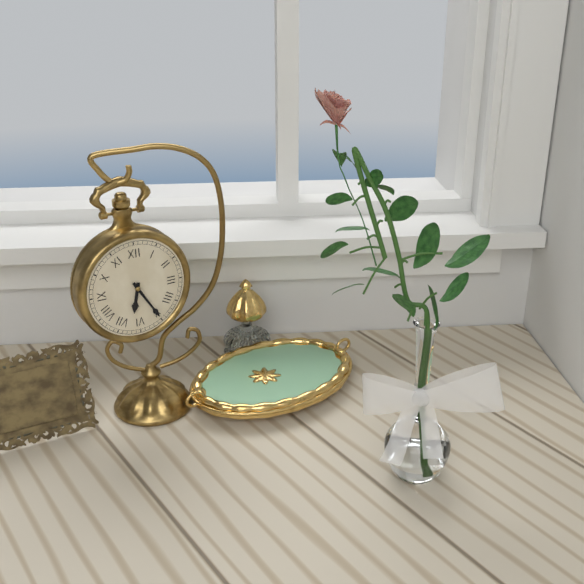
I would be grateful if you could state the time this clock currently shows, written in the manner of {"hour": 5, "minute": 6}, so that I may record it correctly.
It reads {"hour": 6, "minute": 25}
